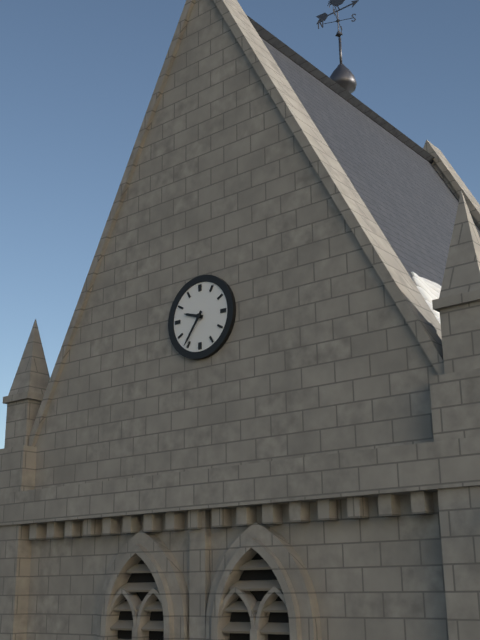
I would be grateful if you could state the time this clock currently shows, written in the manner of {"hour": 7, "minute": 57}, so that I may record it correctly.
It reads {"hour": 9, "minute": 36}
